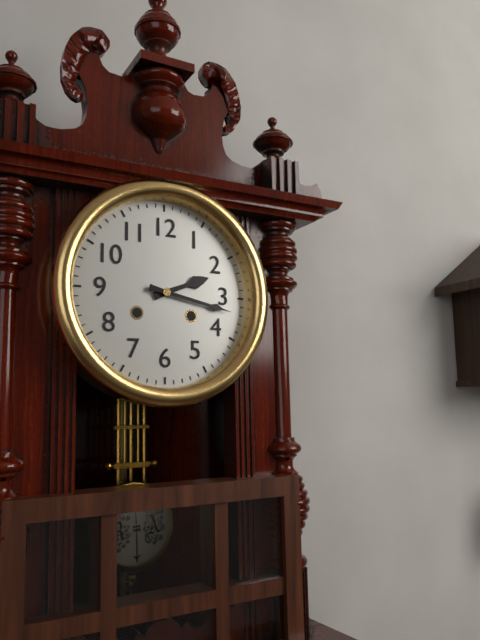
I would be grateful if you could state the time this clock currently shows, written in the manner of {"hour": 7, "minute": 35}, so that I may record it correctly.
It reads {"hour": 2, "minute": 17}
